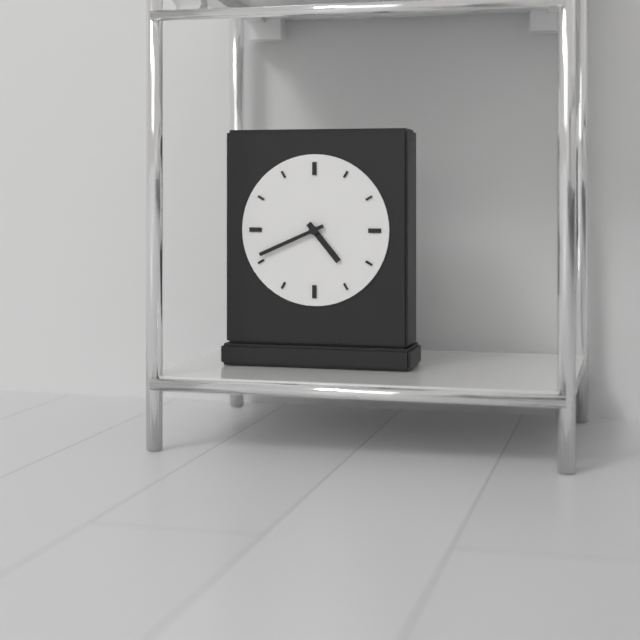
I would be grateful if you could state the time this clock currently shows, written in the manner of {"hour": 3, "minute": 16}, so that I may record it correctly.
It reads {"hour": 4, "minute": 41}
